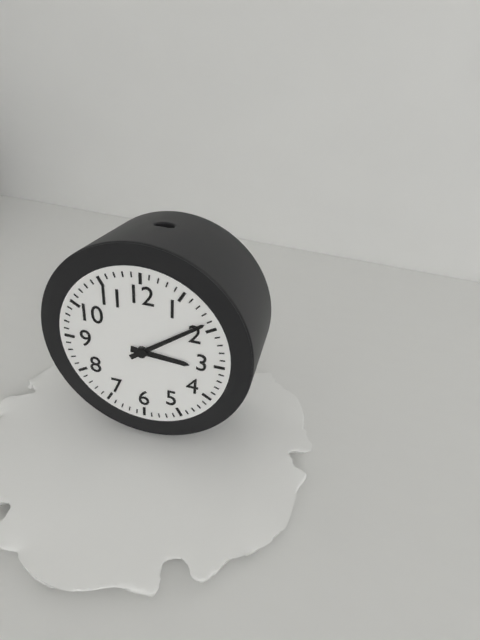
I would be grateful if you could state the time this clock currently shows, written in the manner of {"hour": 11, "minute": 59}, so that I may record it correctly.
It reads {"hour": 3, "minute": 9}
